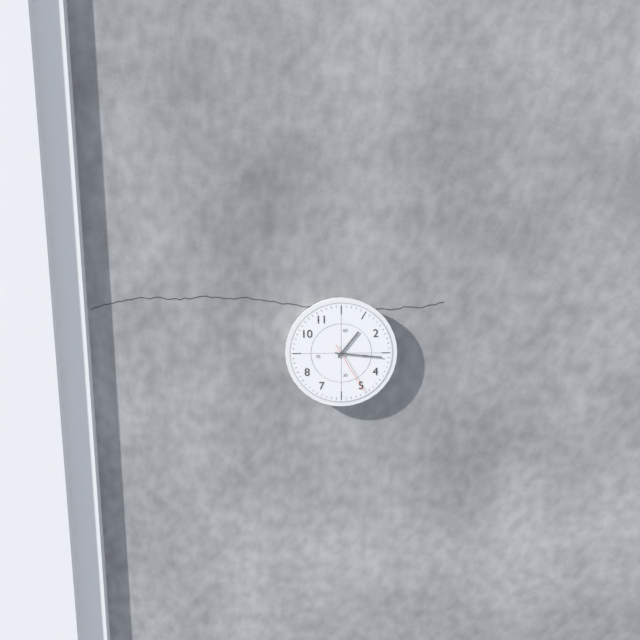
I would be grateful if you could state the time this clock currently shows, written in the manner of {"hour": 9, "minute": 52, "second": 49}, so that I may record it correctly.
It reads {"hour": 1, "minute": 16, "second": 25}
